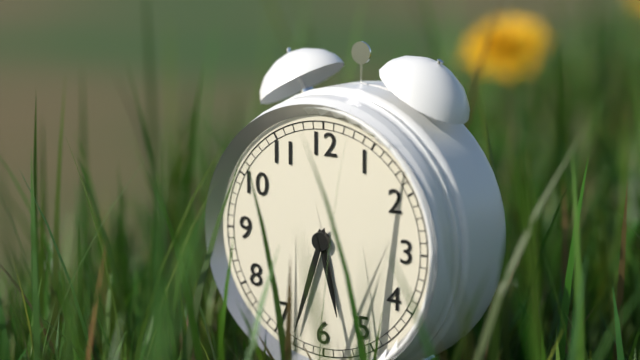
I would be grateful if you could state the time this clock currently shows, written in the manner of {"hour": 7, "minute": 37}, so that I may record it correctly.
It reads {"hour": 5, "minute": 33}
